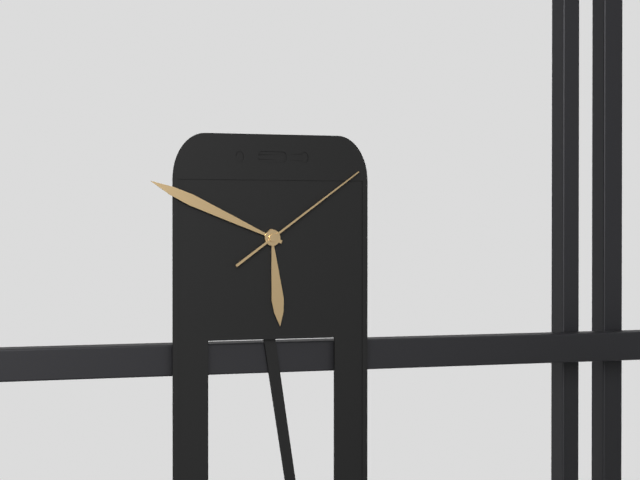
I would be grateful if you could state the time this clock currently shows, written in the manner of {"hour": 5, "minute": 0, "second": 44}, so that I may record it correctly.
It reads {"hour": 5, "minute": 49, "second": 9}
